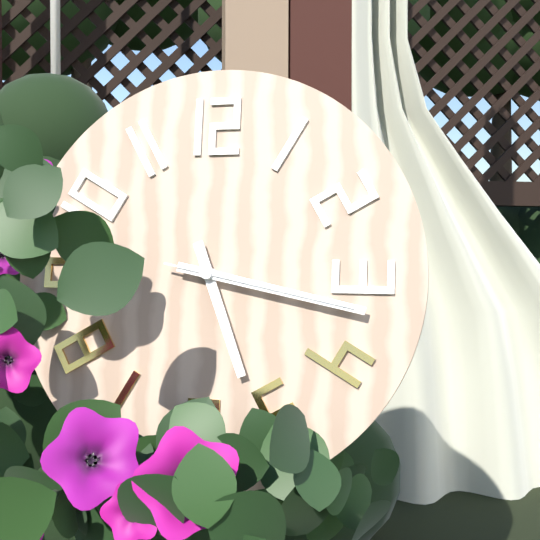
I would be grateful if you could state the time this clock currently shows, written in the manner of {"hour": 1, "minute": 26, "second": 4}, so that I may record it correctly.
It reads {"hour": 5, "minute": 17, "second": 17}
